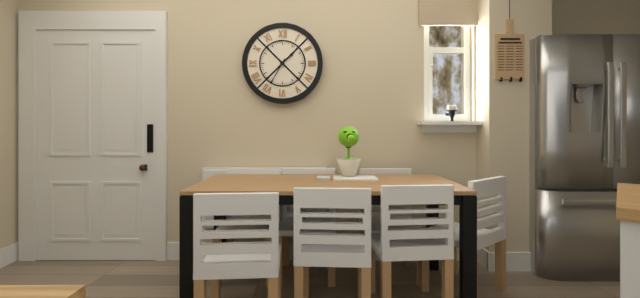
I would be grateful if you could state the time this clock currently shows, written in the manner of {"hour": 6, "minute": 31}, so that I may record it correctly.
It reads {"hour": 1, "minute": 35}
